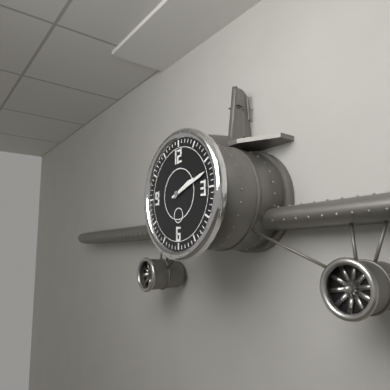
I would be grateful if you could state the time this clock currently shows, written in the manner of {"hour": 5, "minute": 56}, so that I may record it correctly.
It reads {"hour": 2, "minute": 12}
